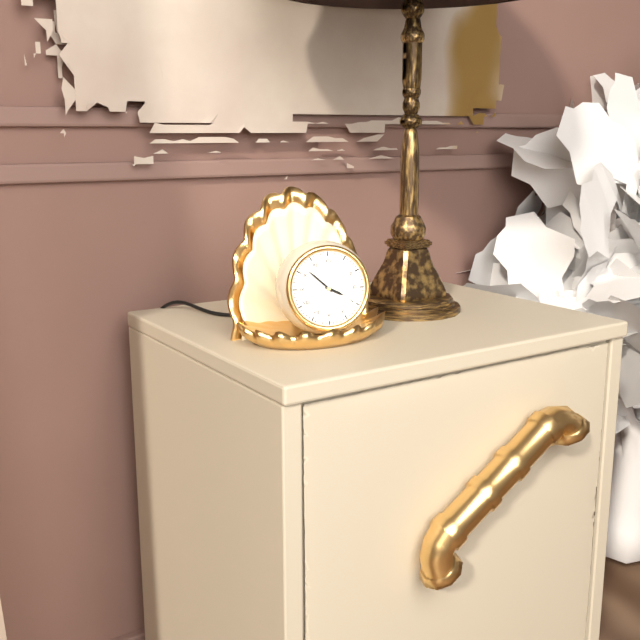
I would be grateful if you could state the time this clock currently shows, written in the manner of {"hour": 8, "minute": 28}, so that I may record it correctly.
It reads {"hour": 3, "minute": 52}
